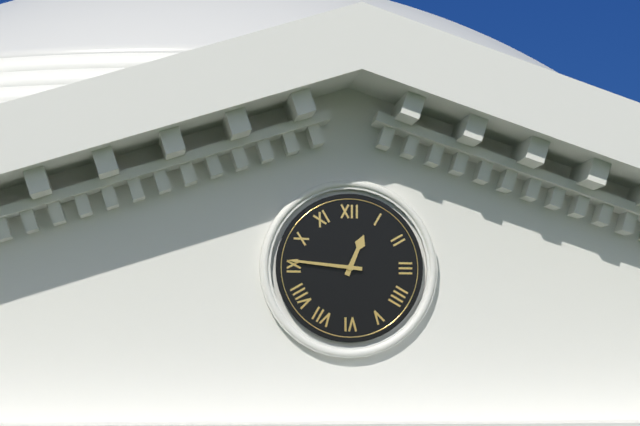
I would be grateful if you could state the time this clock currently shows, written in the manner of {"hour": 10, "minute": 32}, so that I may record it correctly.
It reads {"hour": 12, "minute": 46}
